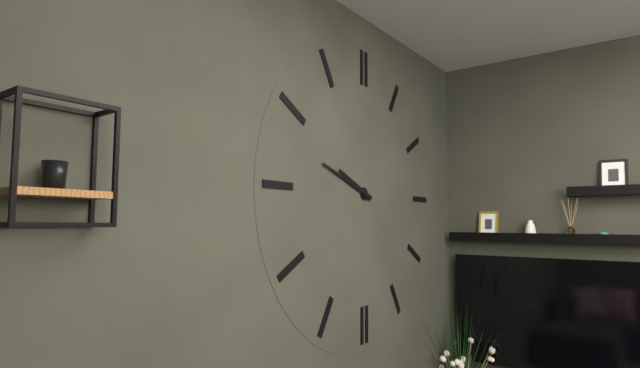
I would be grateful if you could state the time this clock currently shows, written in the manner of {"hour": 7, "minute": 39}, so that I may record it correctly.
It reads {"hour": 9, "minute": 48}
